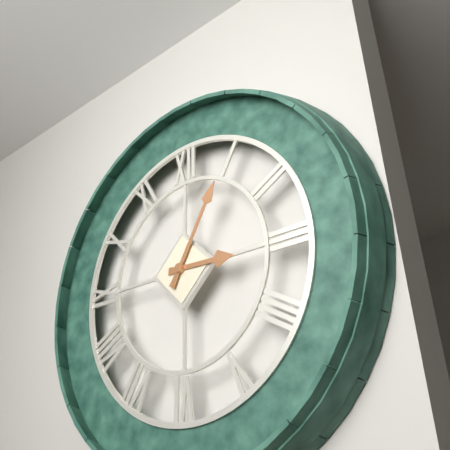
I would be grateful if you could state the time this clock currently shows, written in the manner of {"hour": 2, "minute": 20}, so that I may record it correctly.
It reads {"hour": 3, "minute": 5}
